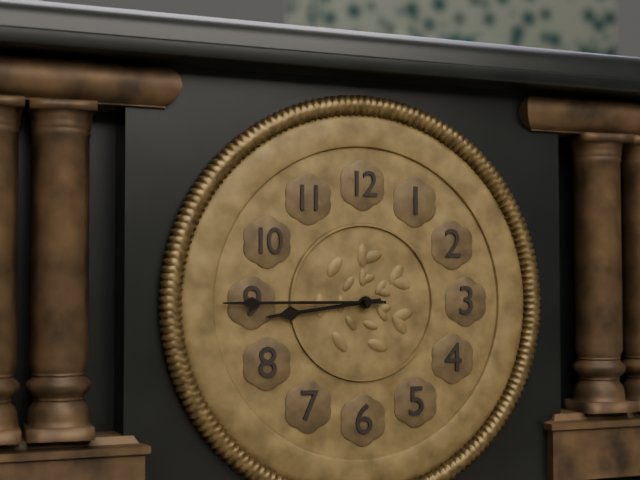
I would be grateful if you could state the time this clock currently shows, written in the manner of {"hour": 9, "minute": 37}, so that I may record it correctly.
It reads {"hour": 8, "minute": 45}
